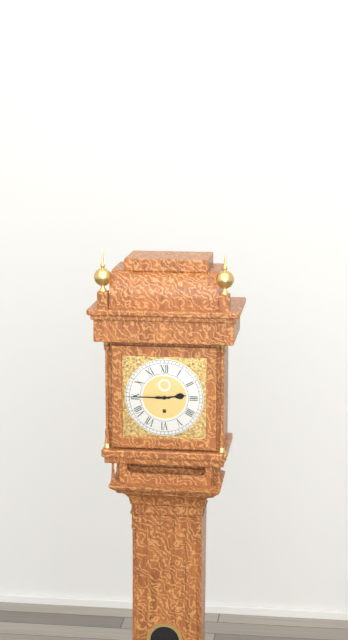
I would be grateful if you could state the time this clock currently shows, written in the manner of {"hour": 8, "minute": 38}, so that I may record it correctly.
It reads {"hour": 2, "minute": 45}
